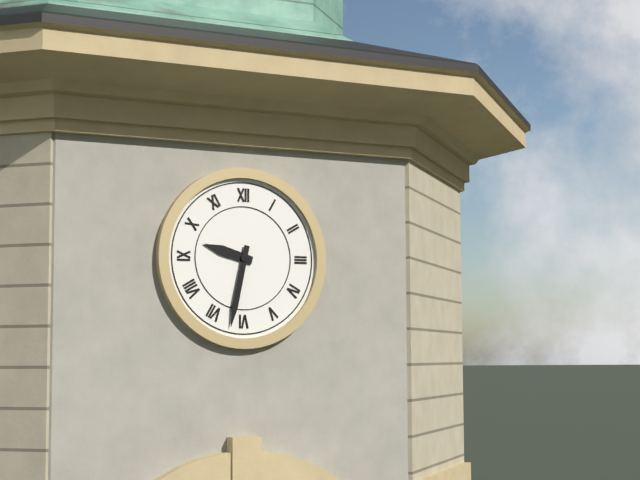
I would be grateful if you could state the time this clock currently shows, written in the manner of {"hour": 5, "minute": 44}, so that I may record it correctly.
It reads {"hour": 9, "minute": 32}
